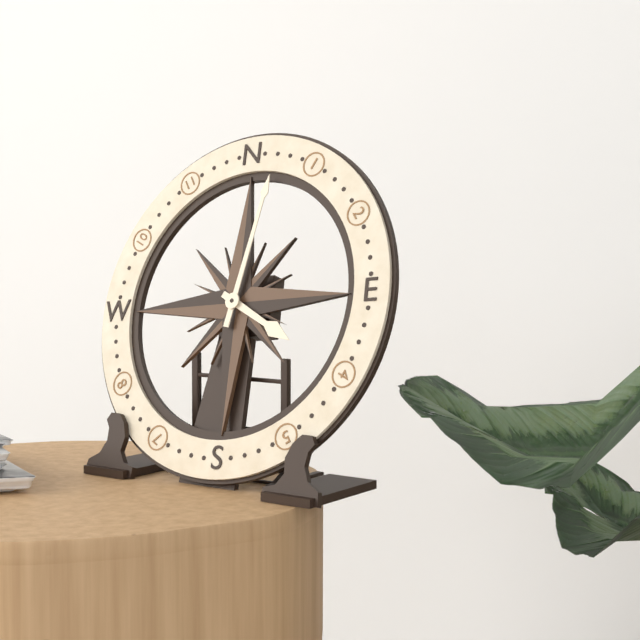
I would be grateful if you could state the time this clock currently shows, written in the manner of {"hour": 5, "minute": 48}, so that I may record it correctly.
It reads {"hour": 4, "minute": 2}
